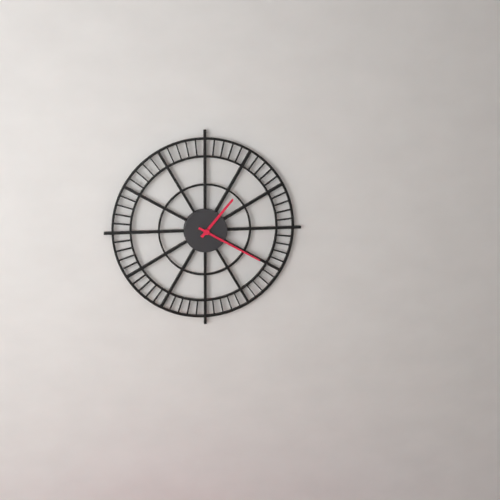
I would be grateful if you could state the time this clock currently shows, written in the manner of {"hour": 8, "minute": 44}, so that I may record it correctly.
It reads {"hour": 1, "minute": 20}
